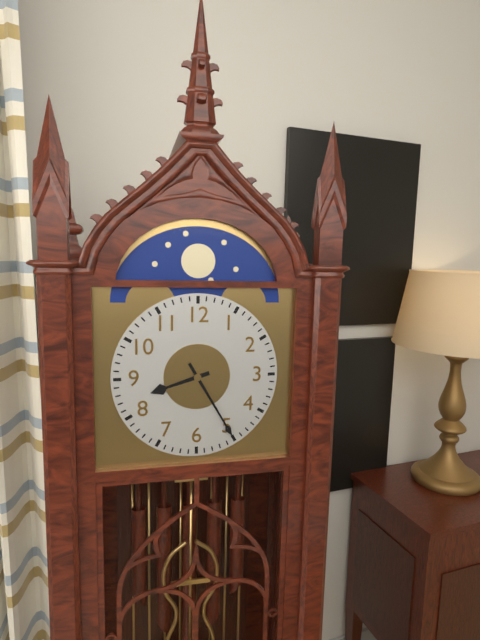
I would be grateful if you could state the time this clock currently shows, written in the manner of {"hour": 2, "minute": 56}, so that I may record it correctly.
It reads {"hour": 8, "minute": 25}
